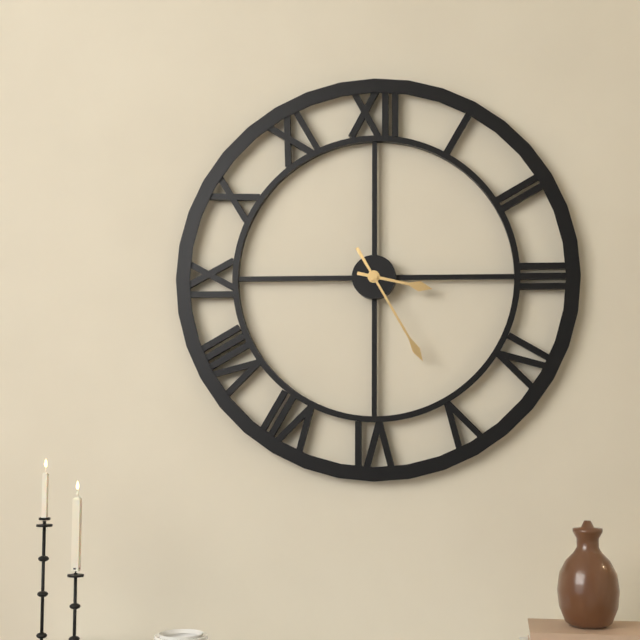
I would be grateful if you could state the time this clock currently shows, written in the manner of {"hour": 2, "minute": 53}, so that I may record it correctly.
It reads {"hour": 3, "minute": 25}
